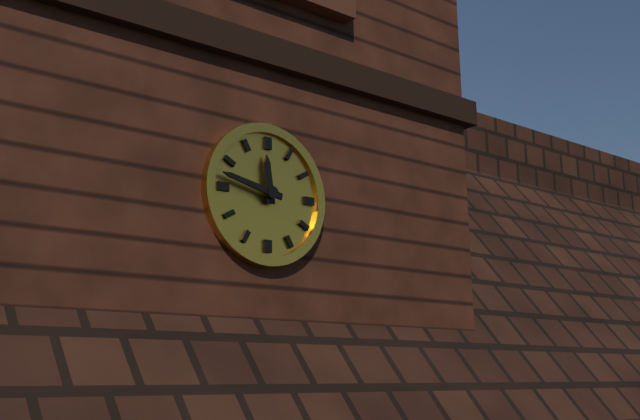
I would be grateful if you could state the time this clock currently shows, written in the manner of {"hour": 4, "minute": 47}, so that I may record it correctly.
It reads {"hour": 11, "minute": 47}
